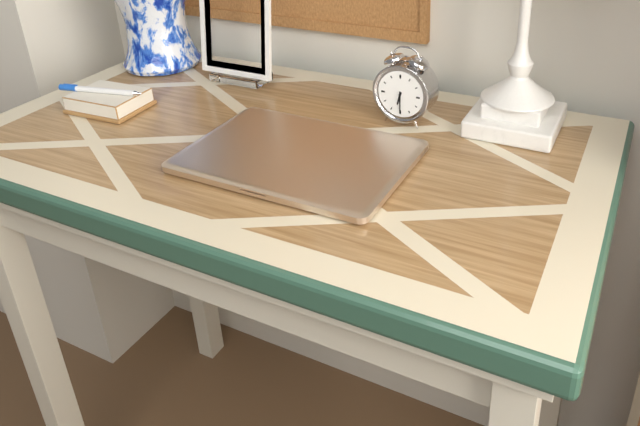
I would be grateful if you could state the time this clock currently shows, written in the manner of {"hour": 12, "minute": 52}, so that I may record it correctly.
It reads {"hour": 6, "minute": 30}
